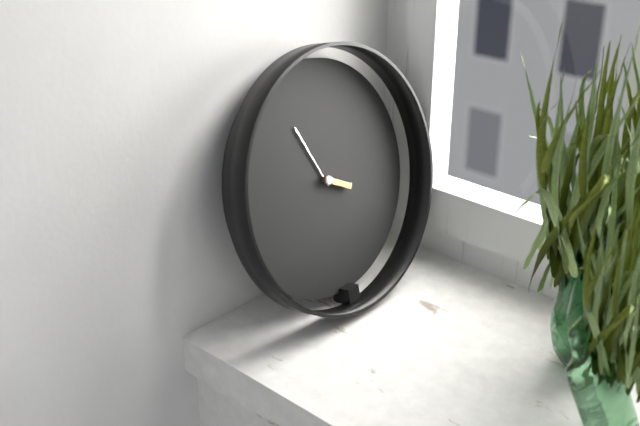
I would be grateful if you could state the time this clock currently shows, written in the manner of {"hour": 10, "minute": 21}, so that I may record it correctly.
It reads {"hour": 3, "minute": 56}
